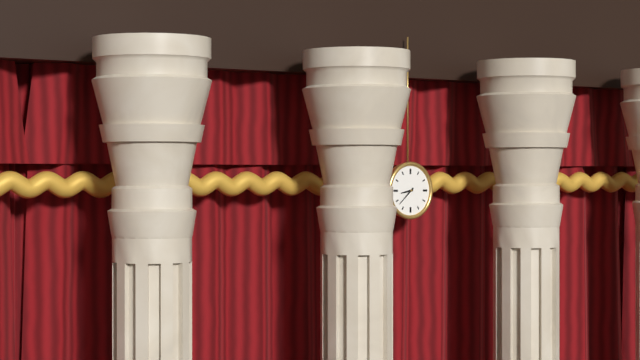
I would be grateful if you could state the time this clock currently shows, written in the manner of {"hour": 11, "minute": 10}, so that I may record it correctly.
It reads {"hour": 8, "minute": 38}
